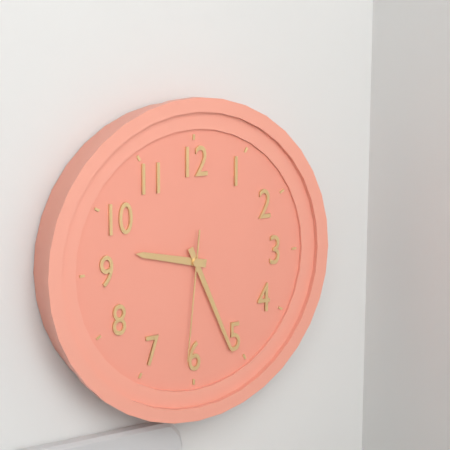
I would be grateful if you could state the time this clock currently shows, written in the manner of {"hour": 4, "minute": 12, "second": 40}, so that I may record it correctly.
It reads {"hour": 9, "minute": 26, "second": 31}
